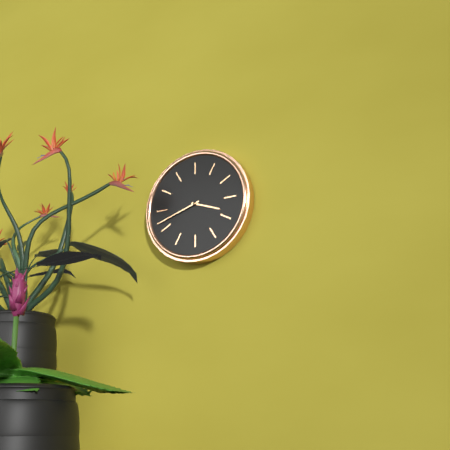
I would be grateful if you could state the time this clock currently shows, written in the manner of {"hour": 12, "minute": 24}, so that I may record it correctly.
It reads {"hour": 3, "minute": 42}
